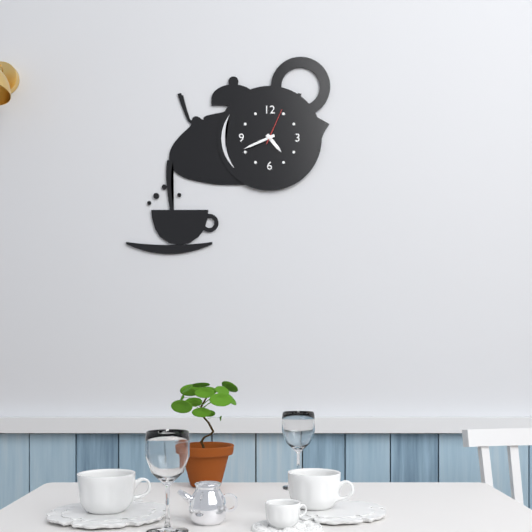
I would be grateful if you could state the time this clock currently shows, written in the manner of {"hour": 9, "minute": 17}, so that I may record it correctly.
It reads {"hour": 4, "minute": 41}
